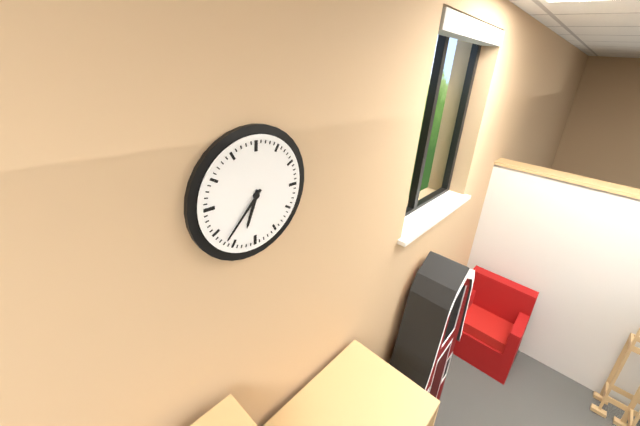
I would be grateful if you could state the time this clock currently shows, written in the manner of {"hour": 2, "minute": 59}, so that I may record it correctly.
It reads {"hour": 6, "minute": 37}
